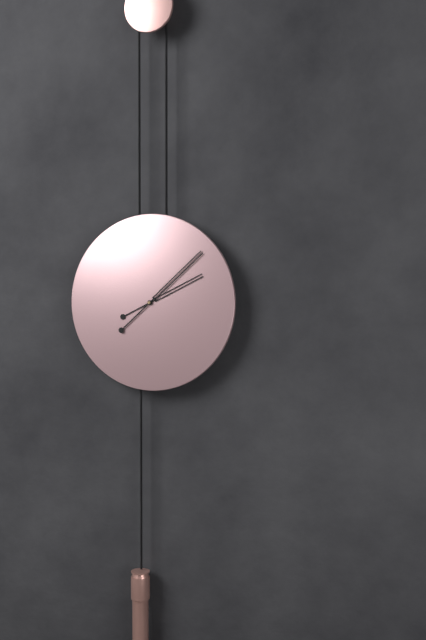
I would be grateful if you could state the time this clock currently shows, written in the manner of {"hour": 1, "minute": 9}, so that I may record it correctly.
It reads {"hour": 2, "minute": 8}
